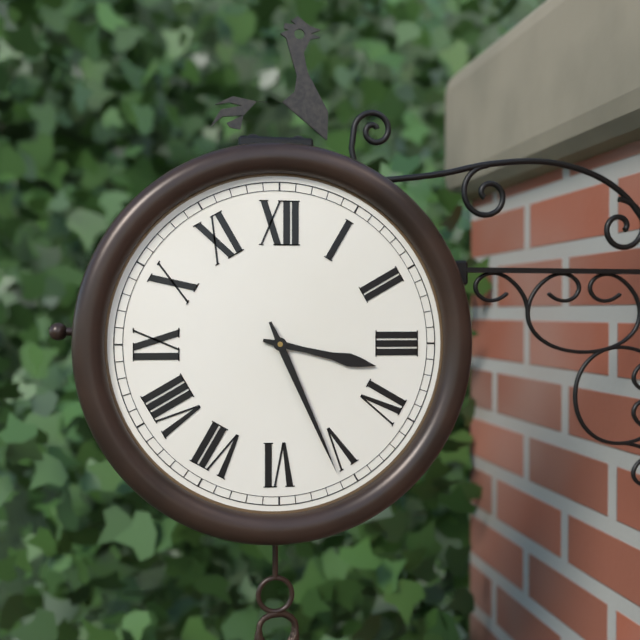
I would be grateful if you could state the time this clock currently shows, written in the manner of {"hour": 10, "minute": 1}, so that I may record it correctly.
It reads {"hour": 3, "minute": 26}
